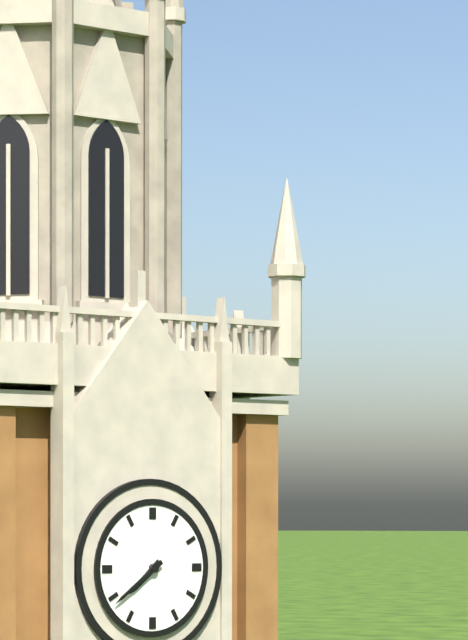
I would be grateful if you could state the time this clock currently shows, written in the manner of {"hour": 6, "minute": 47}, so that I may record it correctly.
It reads {"hour": 7, "minute": 39}
